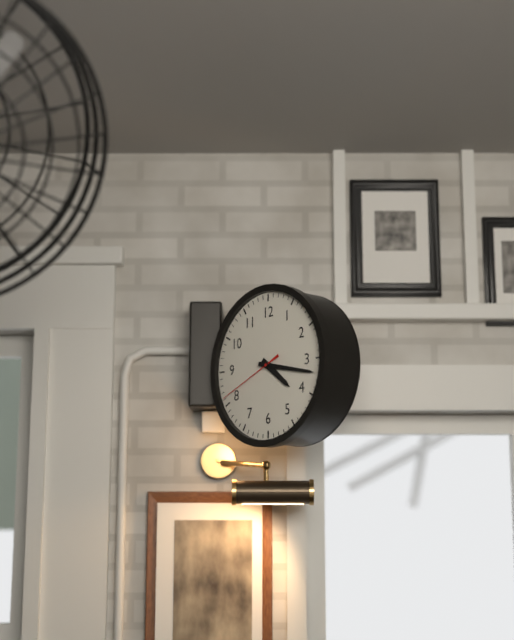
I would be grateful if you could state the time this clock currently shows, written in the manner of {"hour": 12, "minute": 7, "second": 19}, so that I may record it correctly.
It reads {"hour": 4, "minute": 17, "second": 41}
